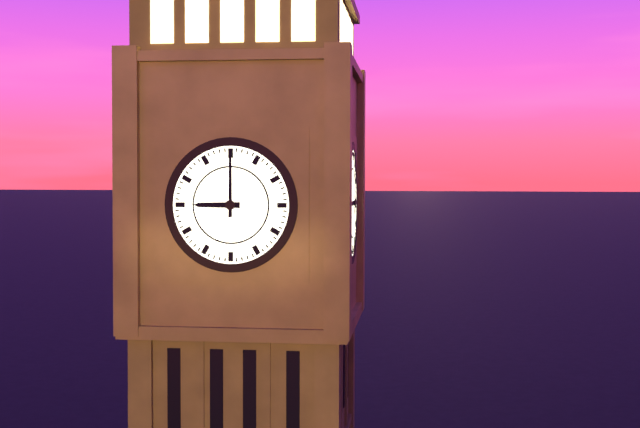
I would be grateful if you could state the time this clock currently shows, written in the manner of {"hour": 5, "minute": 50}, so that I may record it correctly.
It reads {"hour": 9, "minute": 0}
